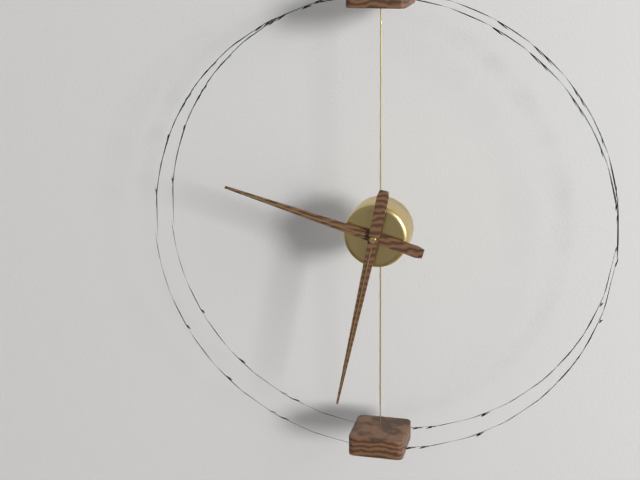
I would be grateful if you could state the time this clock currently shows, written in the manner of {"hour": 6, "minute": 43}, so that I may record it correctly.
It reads {"hour": 9, "minute": 32}
